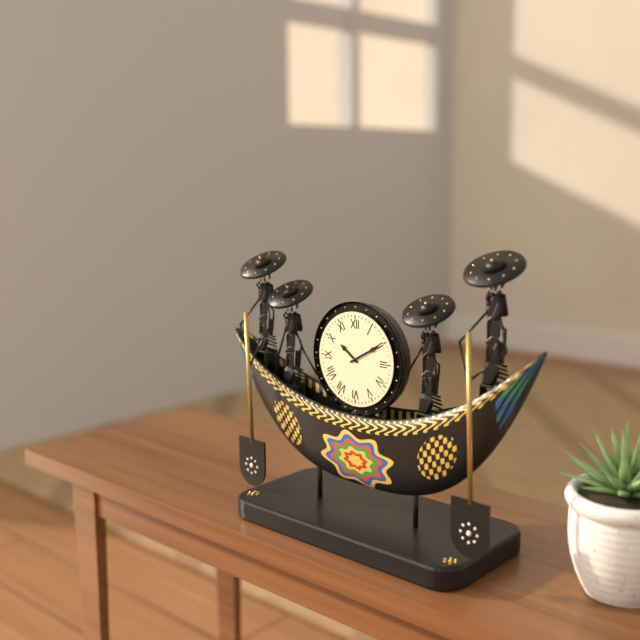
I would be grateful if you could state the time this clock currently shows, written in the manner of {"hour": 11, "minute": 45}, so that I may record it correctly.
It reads {"hour": 10, "minute": 10}
